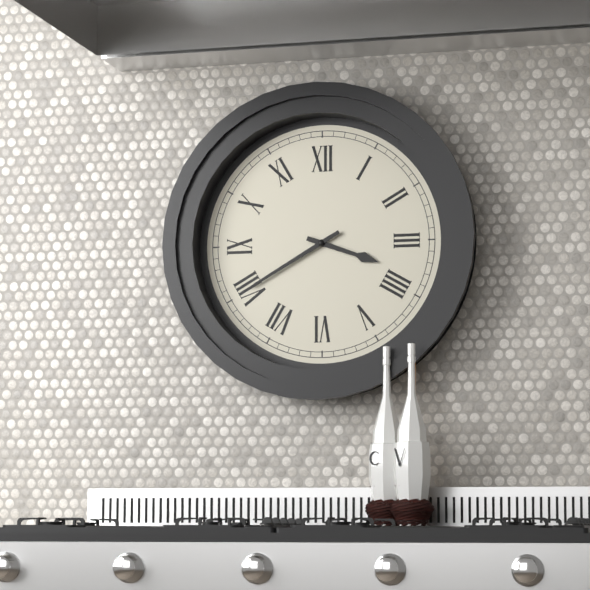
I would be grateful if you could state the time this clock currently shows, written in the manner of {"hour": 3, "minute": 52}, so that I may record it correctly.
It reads {"hour": 3, "minute": 40}
